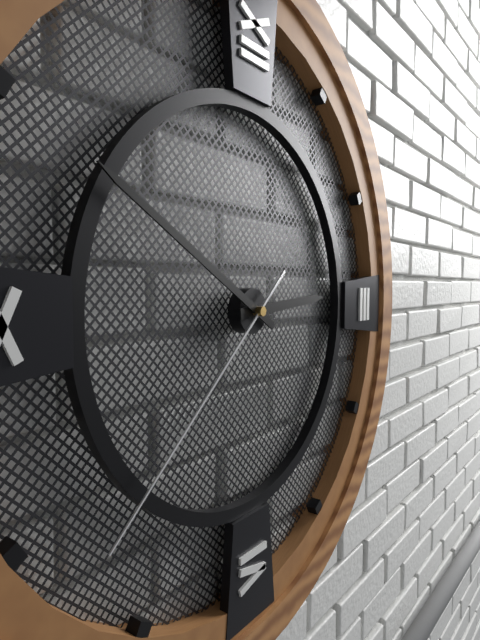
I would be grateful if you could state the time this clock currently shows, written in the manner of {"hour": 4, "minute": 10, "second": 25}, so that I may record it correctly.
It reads {"hour": 2, "minute": 50, "second": 38}
